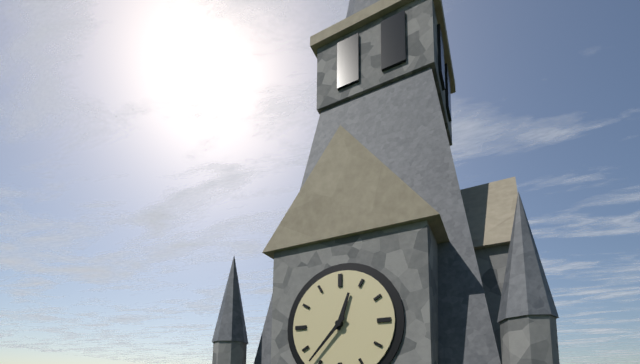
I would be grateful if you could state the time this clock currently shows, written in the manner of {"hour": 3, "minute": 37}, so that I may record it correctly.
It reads {"hour": 12, "minute": 37}
